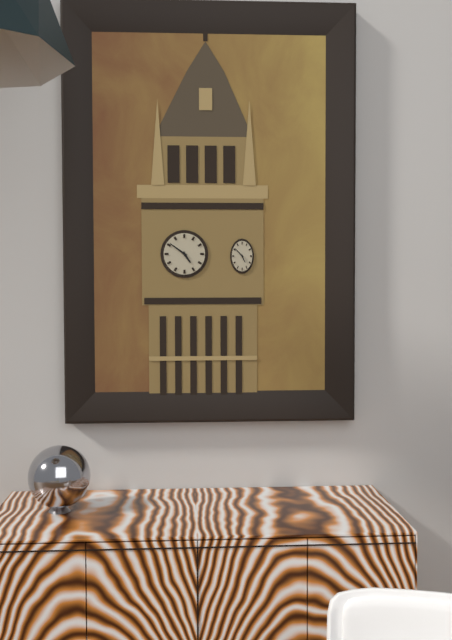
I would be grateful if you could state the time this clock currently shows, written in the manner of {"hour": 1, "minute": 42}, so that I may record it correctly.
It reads {"hour": 4, "minute": 51}
